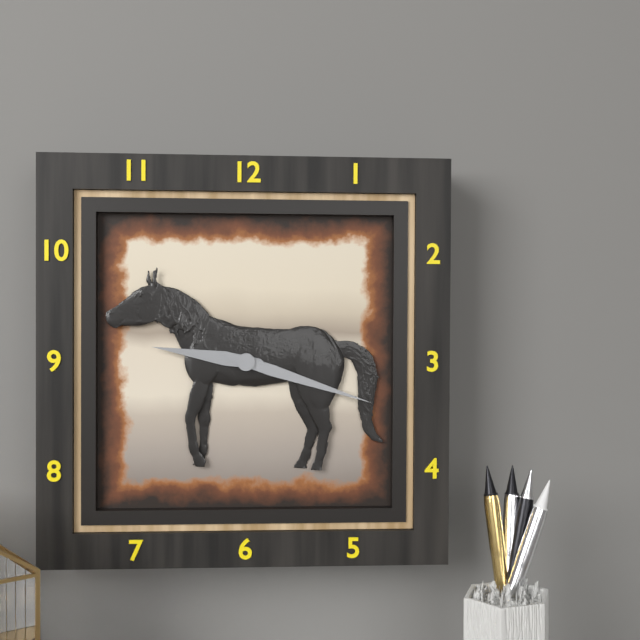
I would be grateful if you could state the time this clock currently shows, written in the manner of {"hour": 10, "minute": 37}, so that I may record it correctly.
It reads {"hour": 9, "minute": 18}
